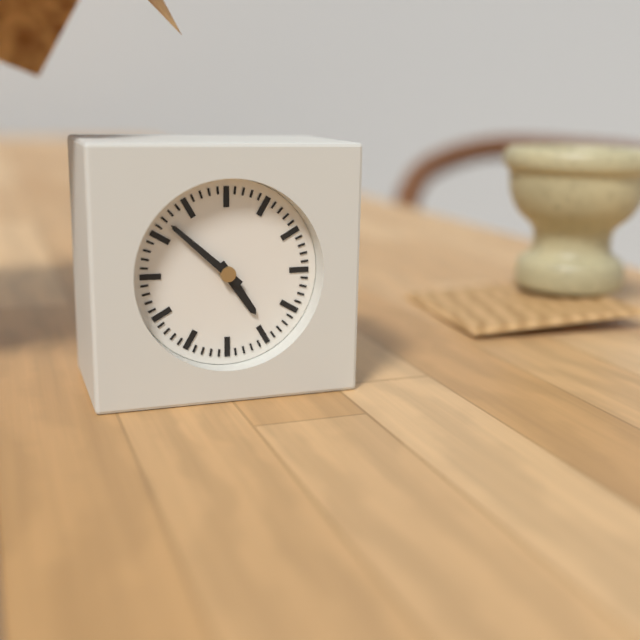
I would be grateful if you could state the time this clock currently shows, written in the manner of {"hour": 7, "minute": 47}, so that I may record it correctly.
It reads {"hour": 4, "minute": 52}
